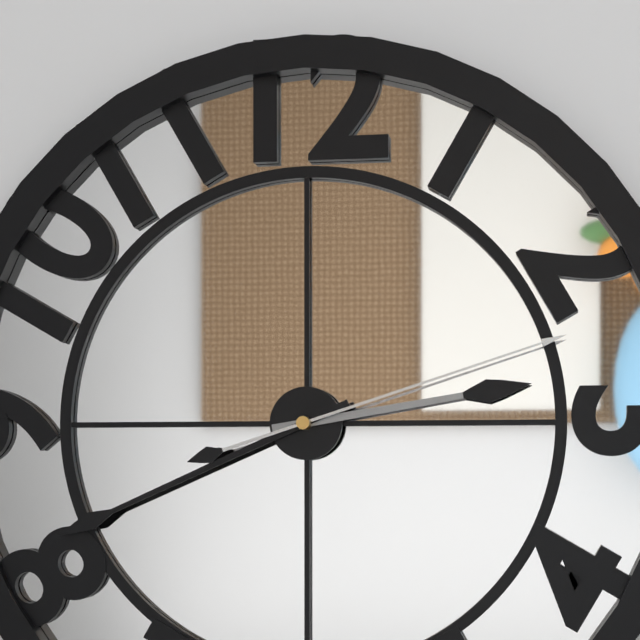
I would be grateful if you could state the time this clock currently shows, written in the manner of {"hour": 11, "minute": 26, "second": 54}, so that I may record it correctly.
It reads {"hour": 2, "minute": 41, "second": 12}
